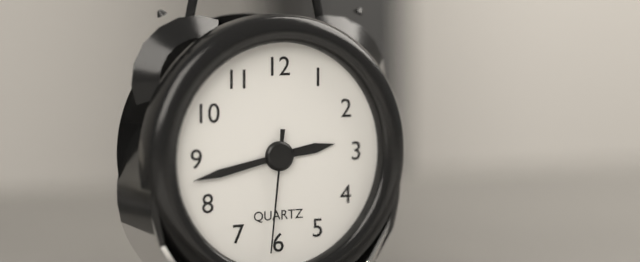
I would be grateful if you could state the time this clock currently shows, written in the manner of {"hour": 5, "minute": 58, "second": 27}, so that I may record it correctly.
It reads {"hour": 2, "minute": 43, "second": 31}
